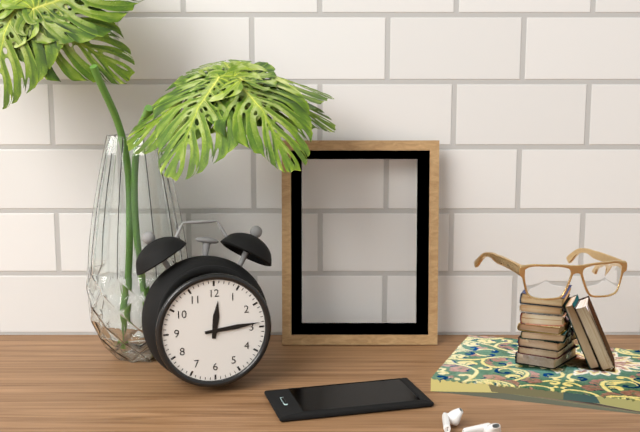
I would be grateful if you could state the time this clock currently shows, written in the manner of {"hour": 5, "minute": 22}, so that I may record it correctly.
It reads {"hour": 12, "minute": 14}
